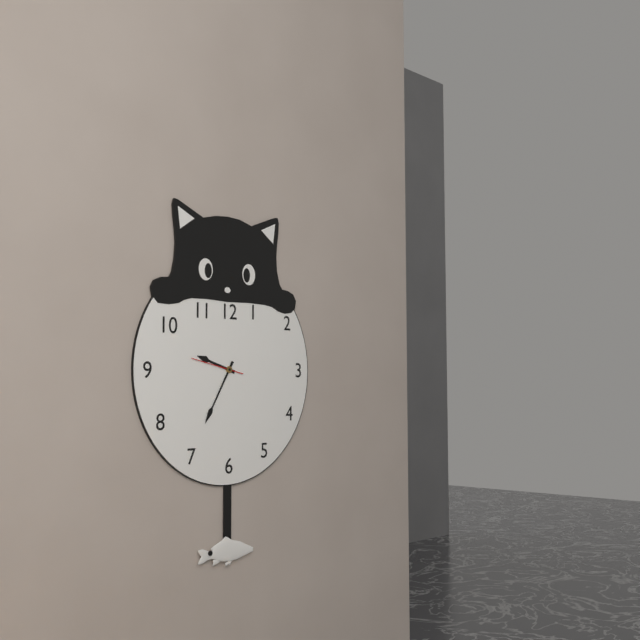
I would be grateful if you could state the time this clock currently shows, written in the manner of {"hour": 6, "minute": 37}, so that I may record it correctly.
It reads {"hour": 9, "minute": 35}
